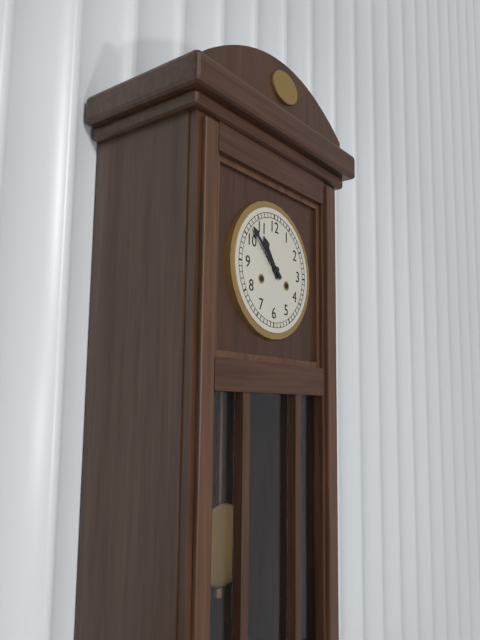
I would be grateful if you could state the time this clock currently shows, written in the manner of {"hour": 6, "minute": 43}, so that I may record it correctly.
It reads {"hour": 10, "minute": 52}
